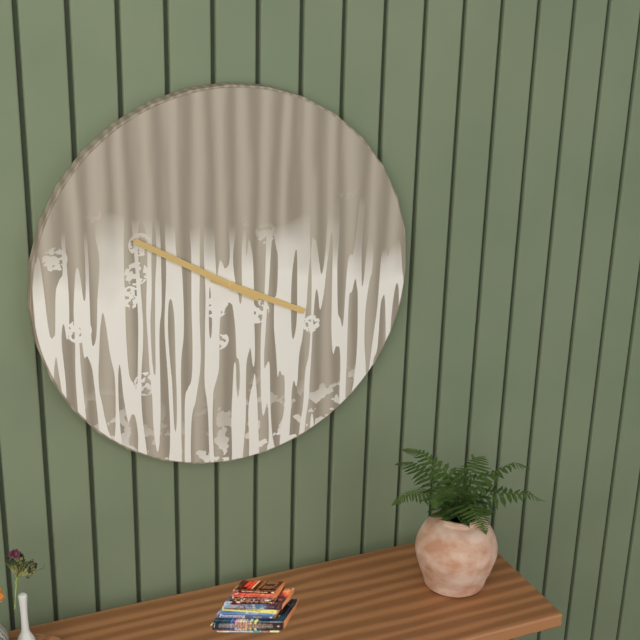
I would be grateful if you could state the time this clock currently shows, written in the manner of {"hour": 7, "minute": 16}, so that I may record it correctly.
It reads {"hour": 3, "minute": 50}
